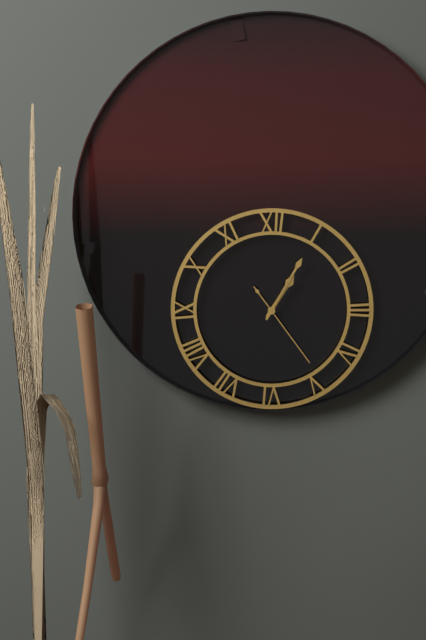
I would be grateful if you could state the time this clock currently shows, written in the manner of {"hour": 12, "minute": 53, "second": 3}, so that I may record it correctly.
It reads {"hour": 1, "minute": 5, "second": 24}
